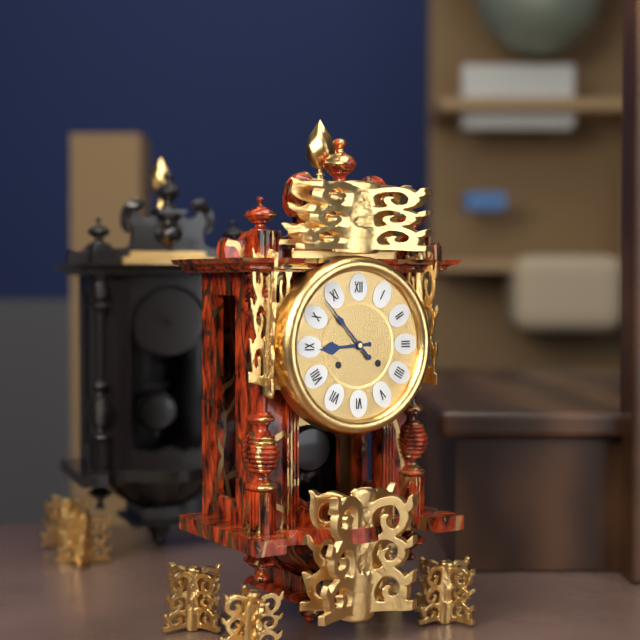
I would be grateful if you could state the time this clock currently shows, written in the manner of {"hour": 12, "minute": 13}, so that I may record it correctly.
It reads {"hour": 8, "minute": 53}
